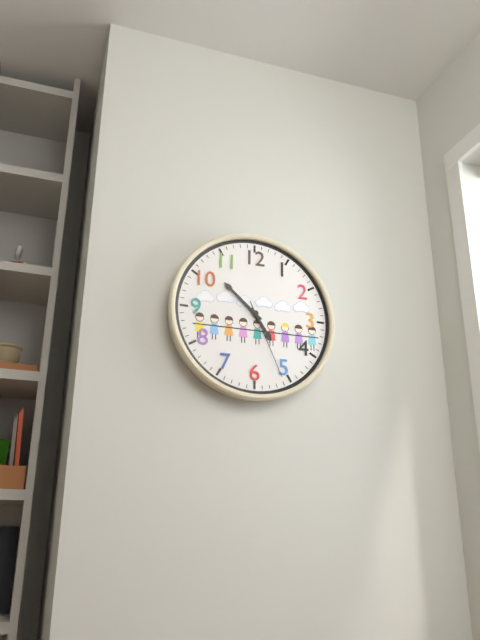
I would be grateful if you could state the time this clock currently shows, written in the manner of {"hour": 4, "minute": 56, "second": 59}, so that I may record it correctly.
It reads {"hour": 4, "minute": 52, "second": 26}
